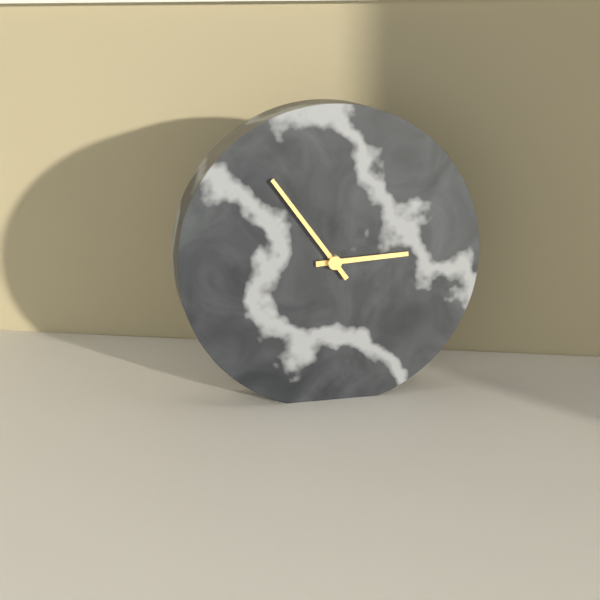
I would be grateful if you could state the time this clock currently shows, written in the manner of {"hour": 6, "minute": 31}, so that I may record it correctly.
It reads {"hour": 2, "minute": 54}
